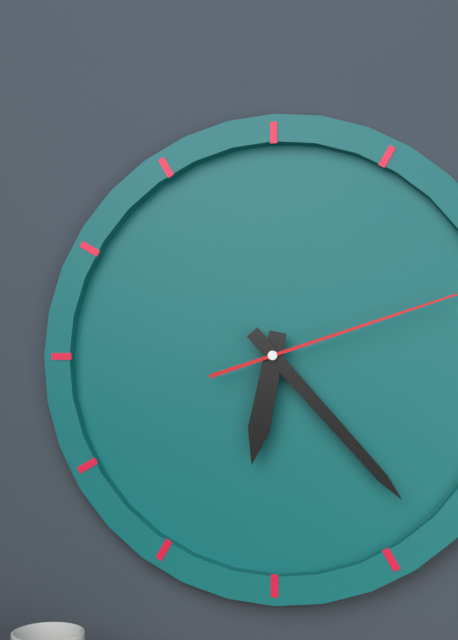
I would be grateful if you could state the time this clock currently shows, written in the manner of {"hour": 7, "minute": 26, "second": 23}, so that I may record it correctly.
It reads {"hour": 6, "minute": 23, "second": 12}
